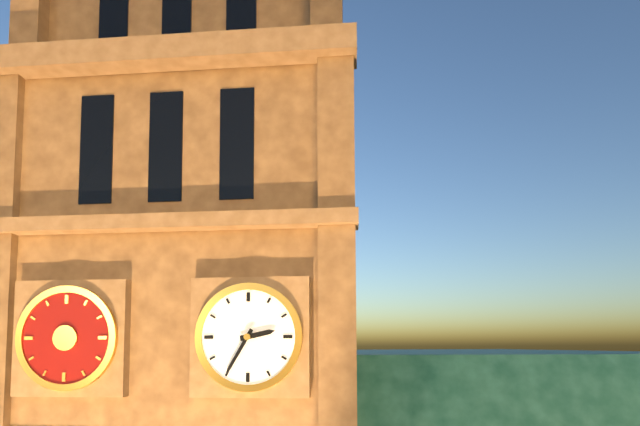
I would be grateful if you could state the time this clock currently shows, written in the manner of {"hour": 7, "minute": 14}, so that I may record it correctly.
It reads {"hour": 2, "minute": 35}
